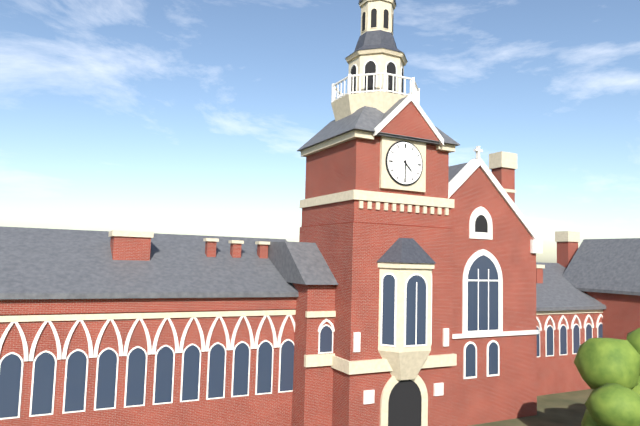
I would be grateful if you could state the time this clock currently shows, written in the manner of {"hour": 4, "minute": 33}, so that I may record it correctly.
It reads {"hour": 4, "minute": 30}
